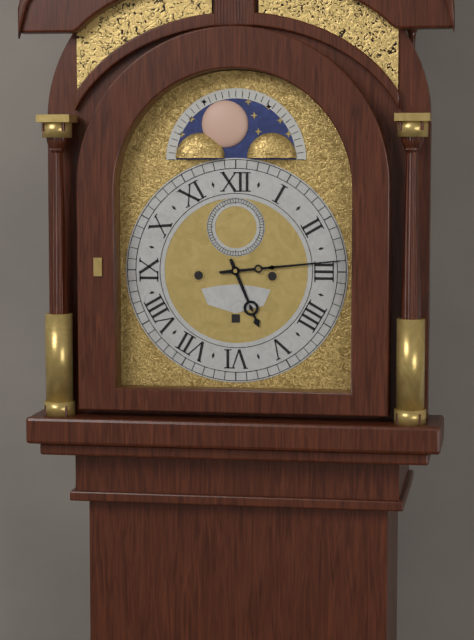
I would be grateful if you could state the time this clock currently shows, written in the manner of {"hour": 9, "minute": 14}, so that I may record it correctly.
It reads {"hour": 5, "minute": 14}
